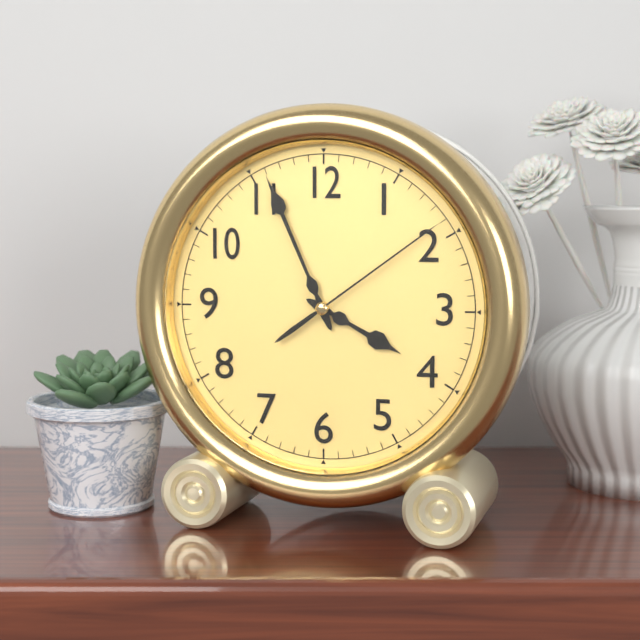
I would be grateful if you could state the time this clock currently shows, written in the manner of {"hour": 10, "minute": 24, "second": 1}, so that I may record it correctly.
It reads {"hour": 3, "minute": 56, "second": 9}
